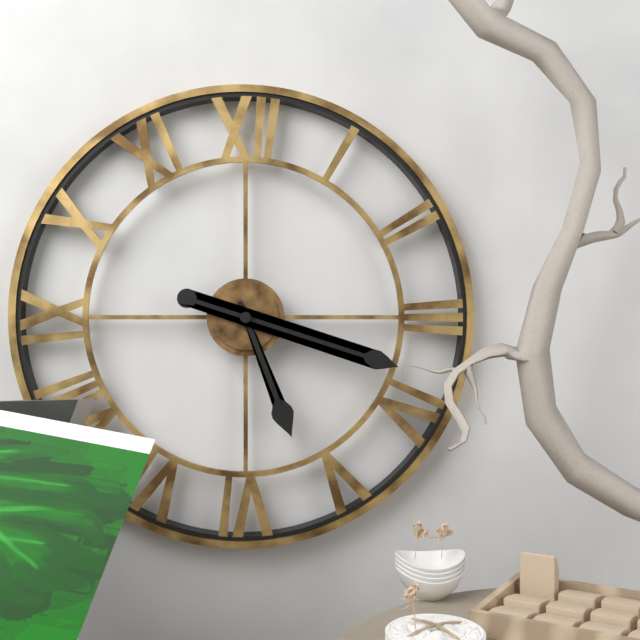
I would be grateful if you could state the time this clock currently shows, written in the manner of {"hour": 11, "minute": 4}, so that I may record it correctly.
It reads {"hour": 5, "minute": 18}
